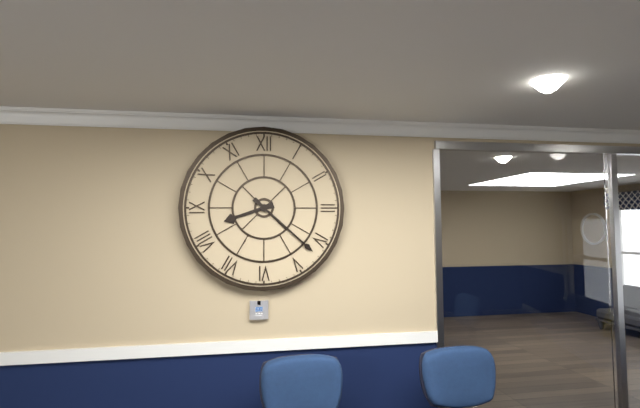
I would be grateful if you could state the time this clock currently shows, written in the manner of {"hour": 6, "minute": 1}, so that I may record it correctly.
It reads {"hour": 8, "minute": 22}
